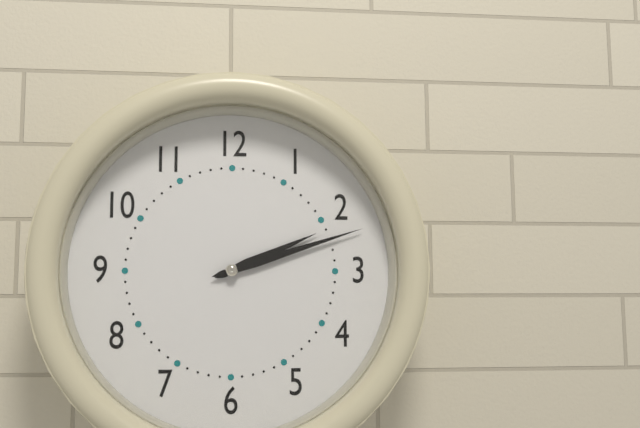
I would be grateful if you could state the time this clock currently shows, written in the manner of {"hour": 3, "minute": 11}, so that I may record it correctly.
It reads {"hour": 2, "minute": 12}
